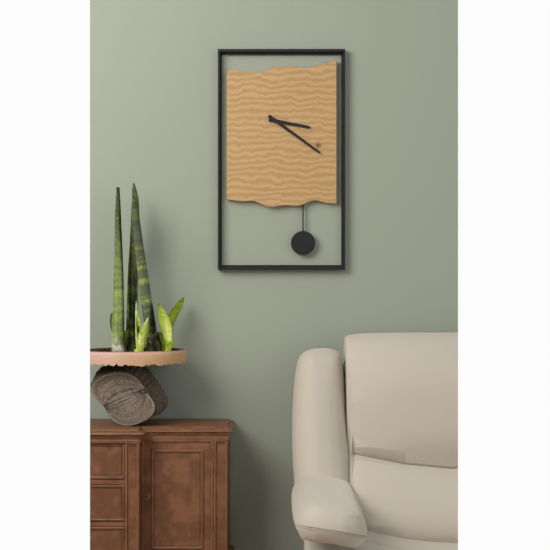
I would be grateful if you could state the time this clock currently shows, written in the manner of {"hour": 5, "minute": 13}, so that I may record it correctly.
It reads {"hour": 3, "minute": 21}
